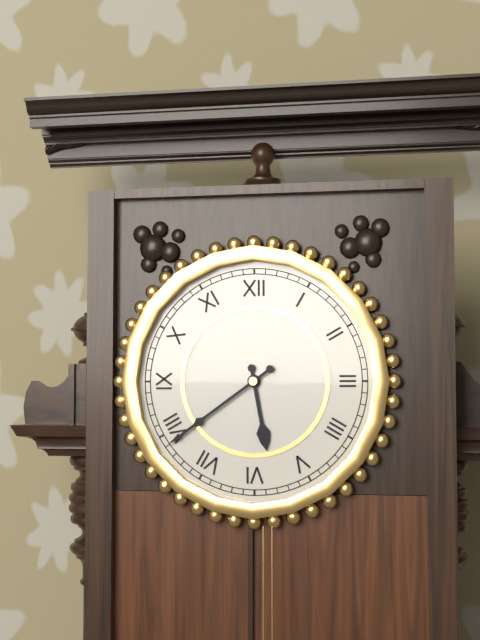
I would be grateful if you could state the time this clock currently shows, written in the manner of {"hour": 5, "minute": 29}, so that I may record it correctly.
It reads {"hour": 5, "minute": 39}
